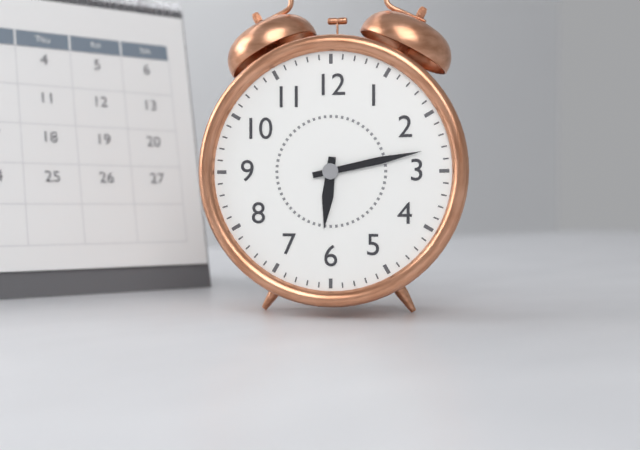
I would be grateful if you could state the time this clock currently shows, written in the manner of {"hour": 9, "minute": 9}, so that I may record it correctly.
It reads {"hour": 6, "minute": 13}
